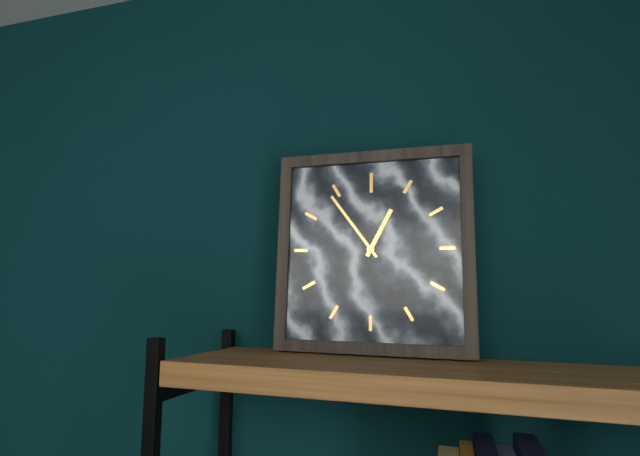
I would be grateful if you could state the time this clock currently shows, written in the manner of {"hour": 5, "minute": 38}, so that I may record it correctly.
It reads {"hour": 12, "minute": 54}
